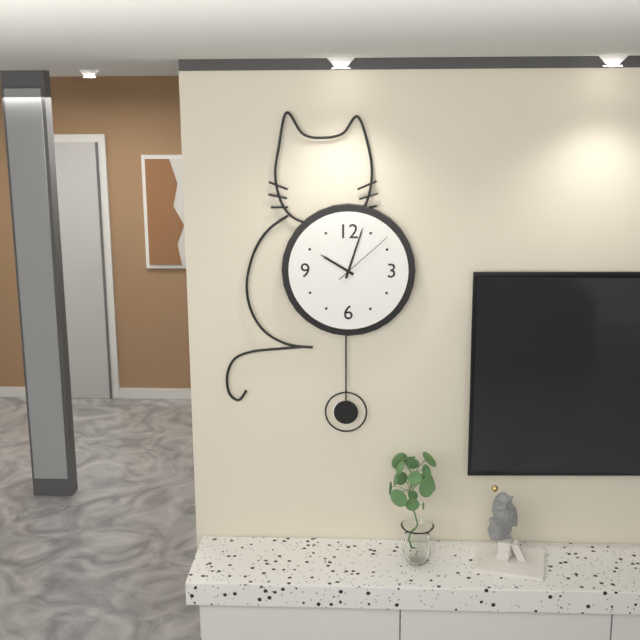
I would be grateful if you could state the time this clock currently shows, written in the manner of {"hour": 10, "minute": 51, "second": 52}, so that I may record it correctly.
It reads {"hour": 10, "minute": 3, "second": 8}
